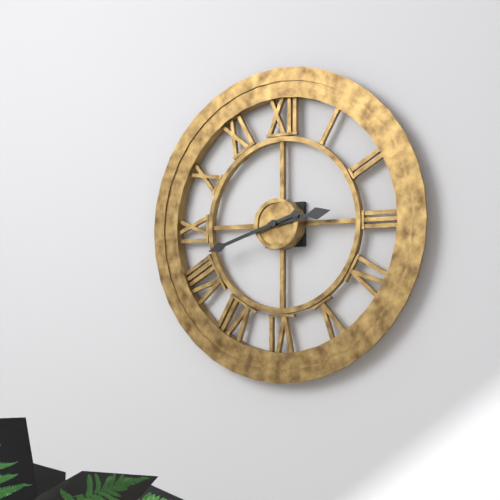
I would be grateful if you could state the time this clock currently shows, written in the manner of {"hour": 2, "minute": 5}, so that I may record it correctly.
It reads {"hour": 2, "minute": 42}
